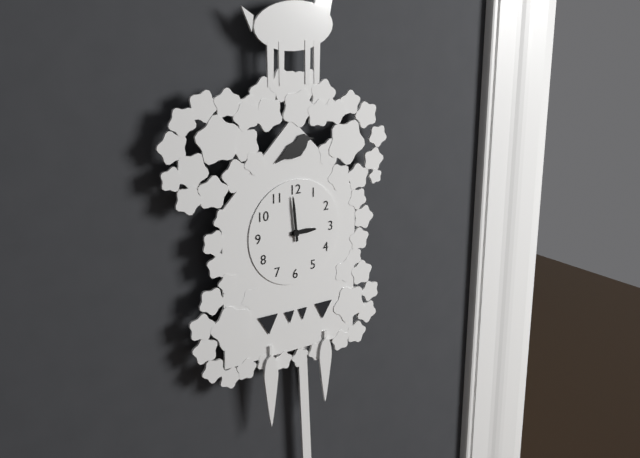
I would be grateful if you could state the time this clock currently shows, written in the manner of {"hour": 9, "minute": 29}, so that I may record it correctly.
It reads {"hour": 2, "minute": 59}
